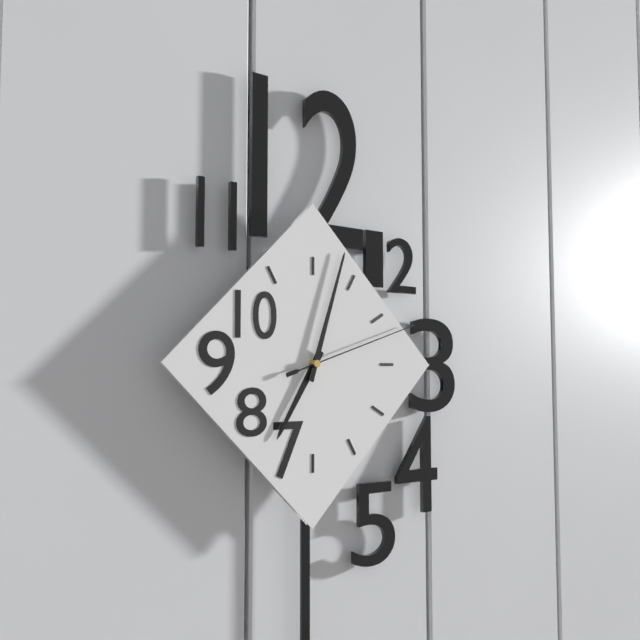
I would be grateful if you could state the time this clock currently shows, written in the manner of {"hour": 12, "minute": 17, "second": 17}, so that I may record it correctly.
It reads {"hour": 7, "minute": 3, "second": 12}
